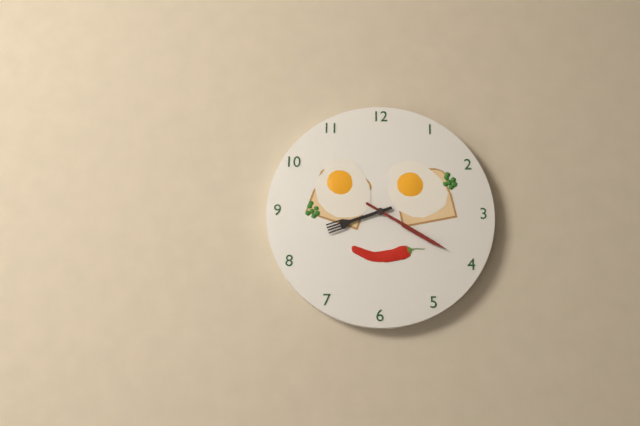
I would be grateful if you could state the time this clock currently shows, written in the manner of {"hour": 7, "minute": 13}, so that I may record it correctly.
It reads {"hour": 8, "minute": 20}
